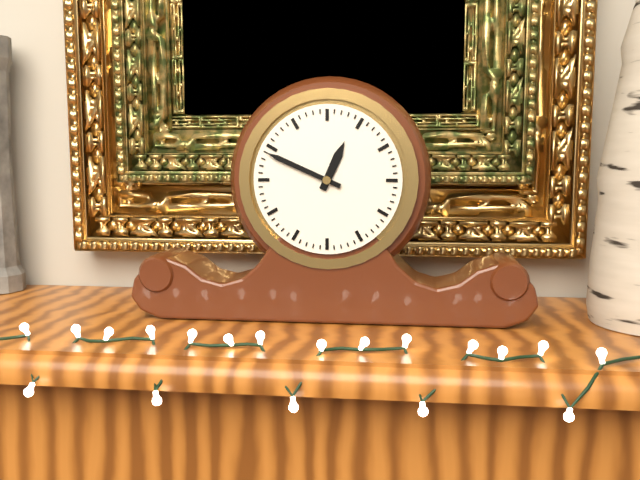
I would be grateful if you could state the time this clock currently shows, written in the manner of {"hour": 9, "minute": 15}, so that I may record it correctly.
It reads {"hour": 12, "minute": 49}
